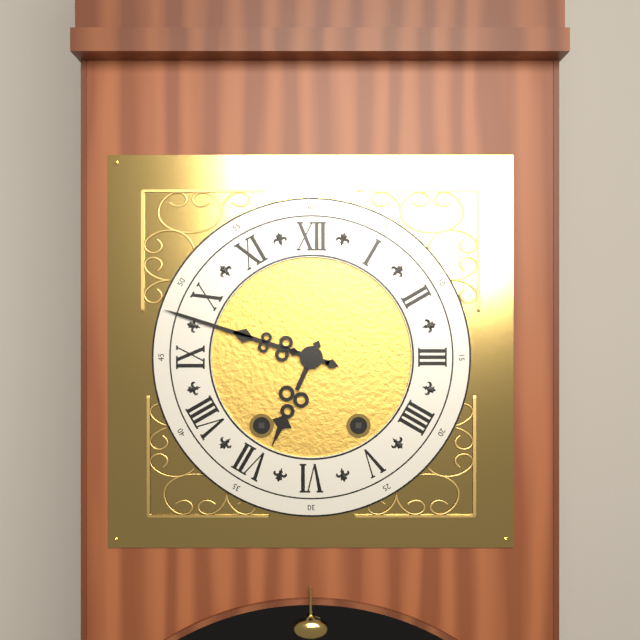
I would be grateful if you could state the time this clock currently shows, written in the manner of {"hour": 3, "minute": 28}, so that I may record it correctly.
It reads {"hour": 6, "minute": 48}
